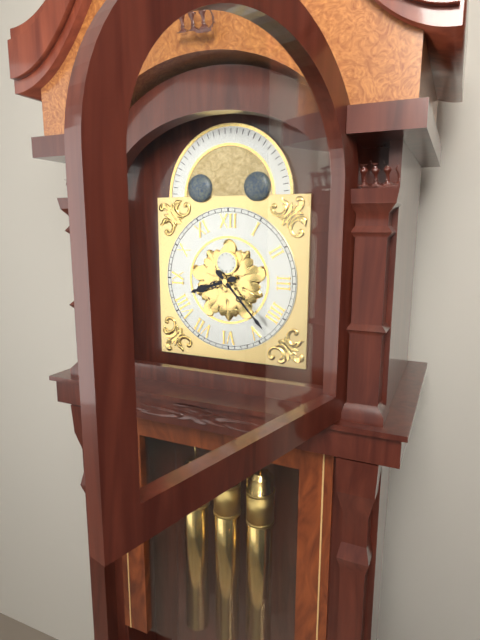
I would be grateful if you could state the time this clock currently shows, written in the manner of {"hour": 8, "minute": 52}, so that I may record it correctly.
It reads {"hour": 8, "minute": 23}
